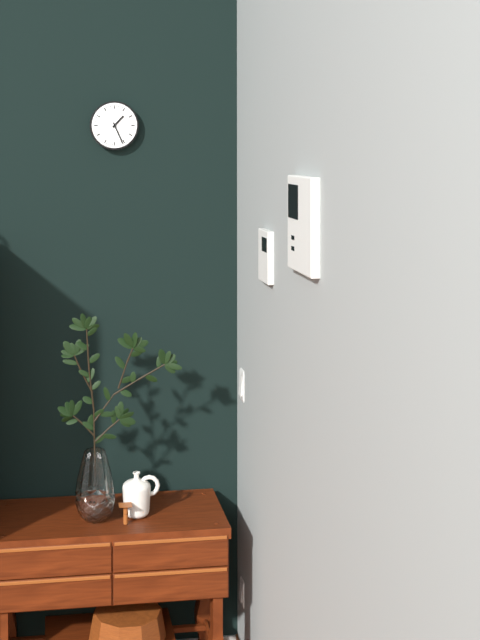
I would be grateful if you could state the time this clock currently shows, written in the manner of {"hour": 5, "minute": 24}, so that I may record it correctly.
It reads {"hour": 1, "minute": 26}
